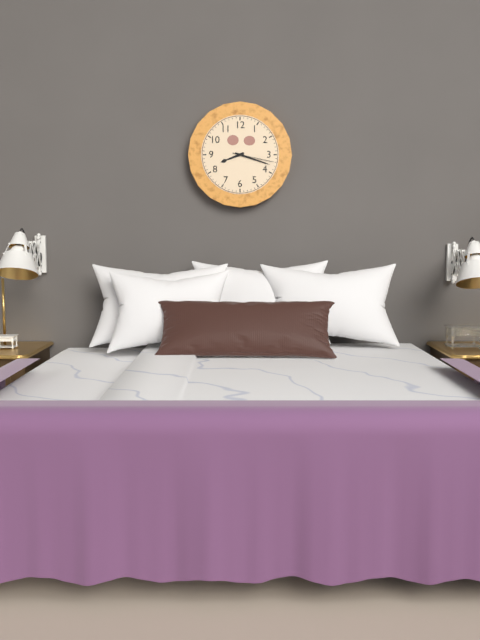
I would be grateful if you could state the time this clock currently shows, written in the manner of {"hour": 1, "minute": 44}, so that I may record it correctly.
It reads {"hour": 8, "minute": 18}
